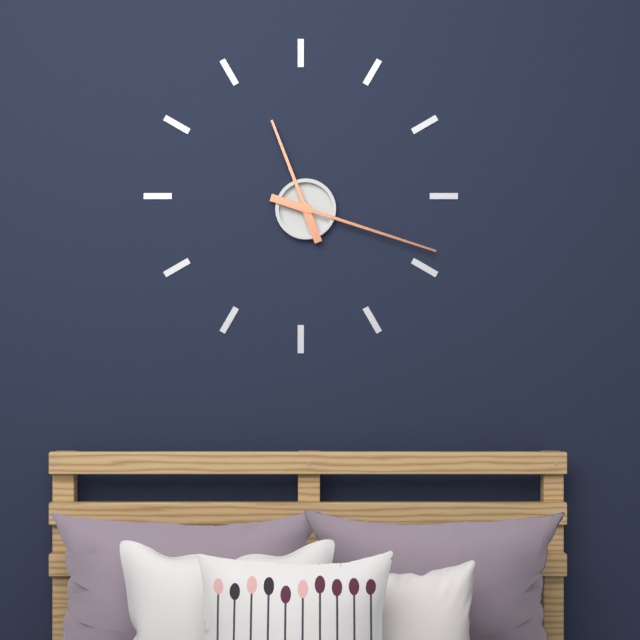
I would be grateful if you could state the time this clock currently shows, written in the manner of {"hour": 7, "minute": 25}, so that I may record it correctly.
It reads {"hour": 11, "minute": 18}
